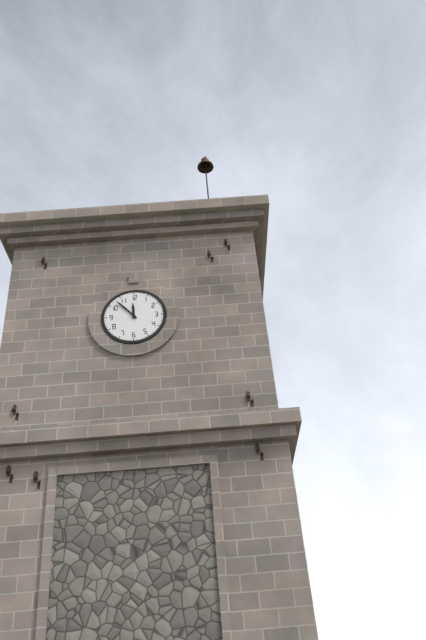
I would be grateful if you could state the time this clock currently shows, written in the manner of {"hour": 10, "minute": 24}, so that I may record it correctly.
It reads {"hour": 11, "minute": 53}
